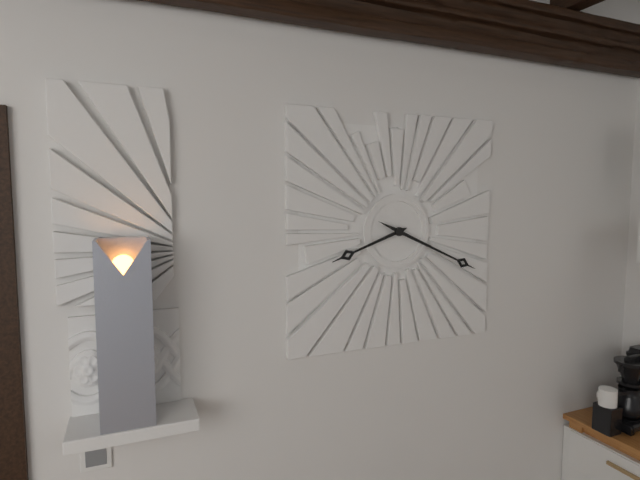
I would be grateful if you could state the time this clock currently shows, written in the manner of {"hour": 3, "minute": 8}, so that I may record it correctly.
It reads {"hour": 8, "minute": 19}
